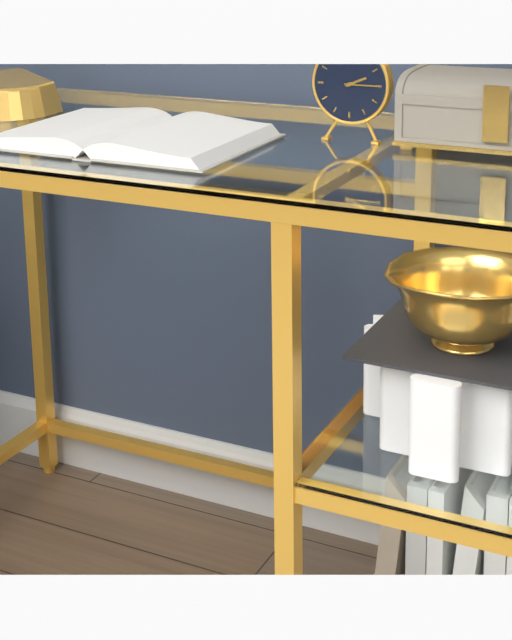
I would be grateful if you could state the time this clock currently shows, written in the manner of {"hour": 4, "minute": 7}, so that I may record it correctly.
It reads {"hour": 2, "minute": 15}
